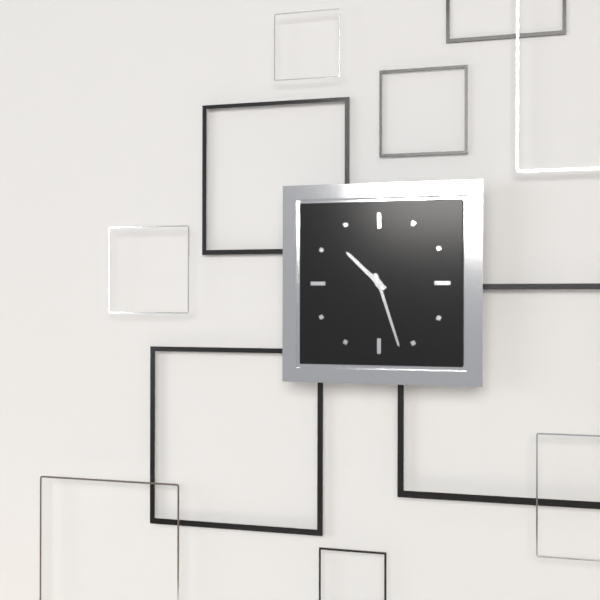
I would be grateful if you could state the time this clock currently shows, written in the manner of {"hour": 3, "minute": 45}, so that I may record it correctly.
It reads {"hour": 10, "minute": 27}
